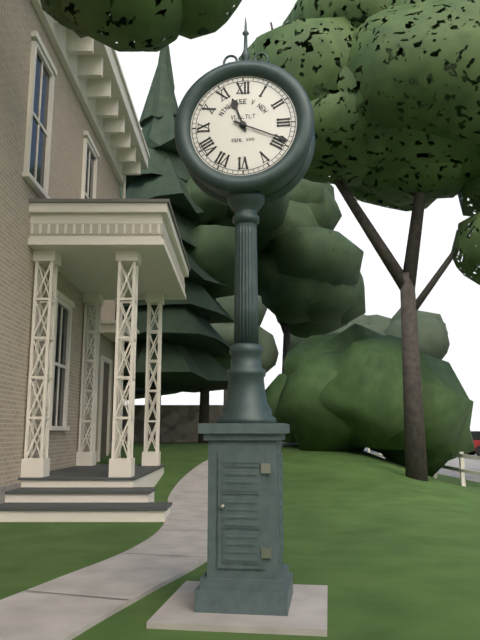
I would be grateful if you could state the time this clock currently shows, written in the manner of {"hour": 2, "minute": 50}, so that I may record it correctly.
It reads {"hour": 11, "minute": 19}
